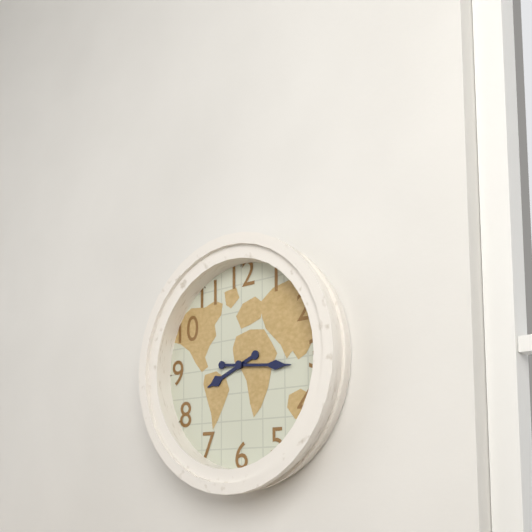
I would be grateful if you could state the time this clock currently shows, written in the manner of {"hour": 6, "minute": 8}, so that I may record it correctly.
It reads {"hour": 8, "minute": 16}
